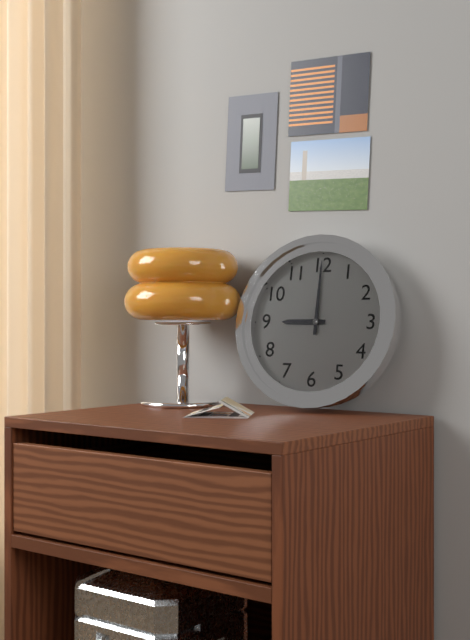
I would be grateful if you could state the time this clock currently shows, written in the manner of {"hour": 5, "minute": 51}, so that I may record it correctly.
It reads {"hour": 9, "minute": 0}
